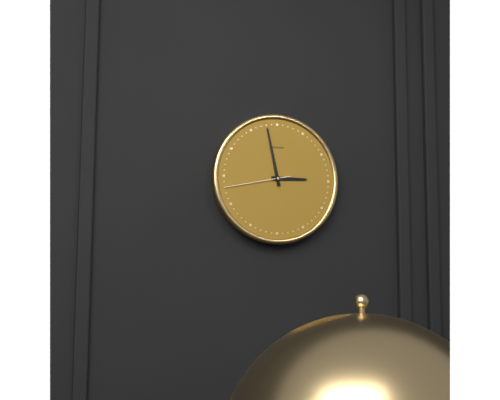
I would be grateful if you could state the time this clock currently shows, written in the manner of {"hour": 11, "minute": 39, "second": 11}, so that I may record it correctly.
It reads {"hour": 2, "minute": 58, "second": 43}
